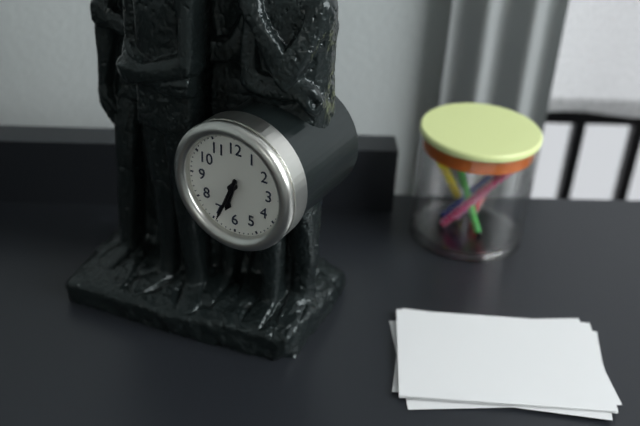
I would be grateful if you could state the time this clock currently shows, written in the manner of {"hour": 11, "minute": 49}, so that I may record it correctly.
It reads {"hour": 6, "minute": 34}
